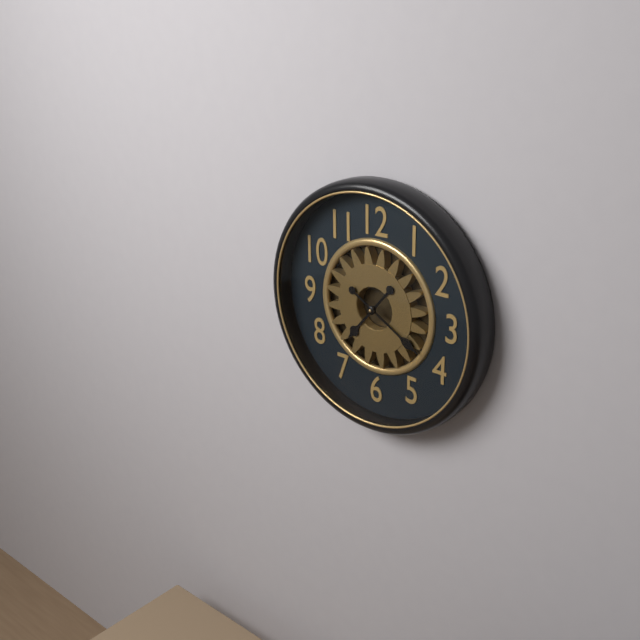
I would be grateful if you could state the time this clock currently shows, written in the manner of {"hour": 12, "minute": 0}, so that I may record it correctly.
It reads {"hour": 7, "minute": 20}
